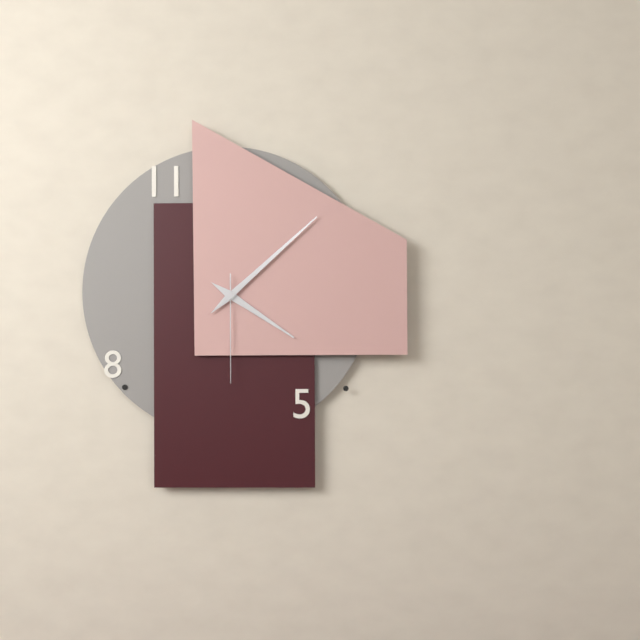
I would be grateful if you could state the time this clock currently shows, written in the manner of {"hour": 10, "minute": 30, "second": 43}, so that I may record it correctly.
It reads {"hour": 4, "minute": 8, "second": 30}
